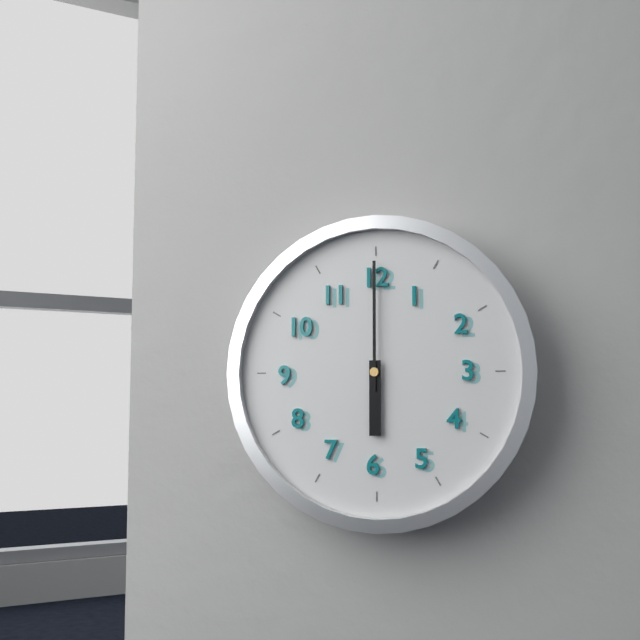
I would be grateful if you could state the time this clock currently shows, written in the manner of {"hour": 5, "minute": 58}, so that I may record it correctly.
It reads {"hour": 6, "minute": 0}
